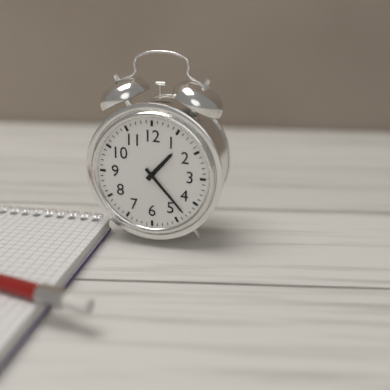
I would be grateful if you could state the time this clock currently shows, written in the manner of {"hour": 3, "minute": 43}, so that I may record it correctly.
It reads {"hour": 1, "minute": 23}
